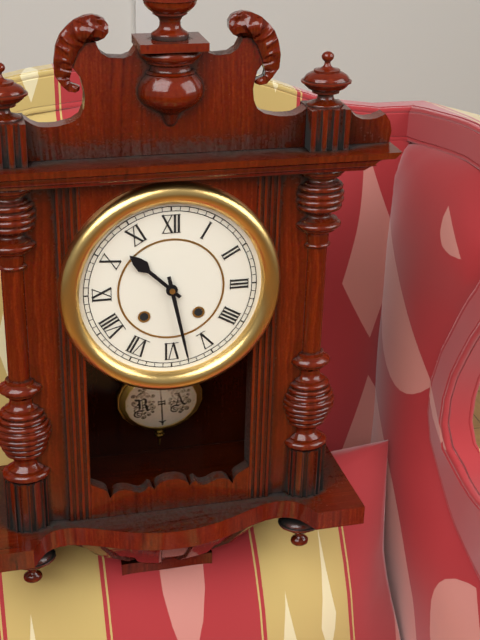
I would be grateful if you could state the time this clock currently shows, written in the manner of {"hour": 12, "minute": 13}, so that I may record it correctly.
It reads {"hour": 10, "minute": 28}
